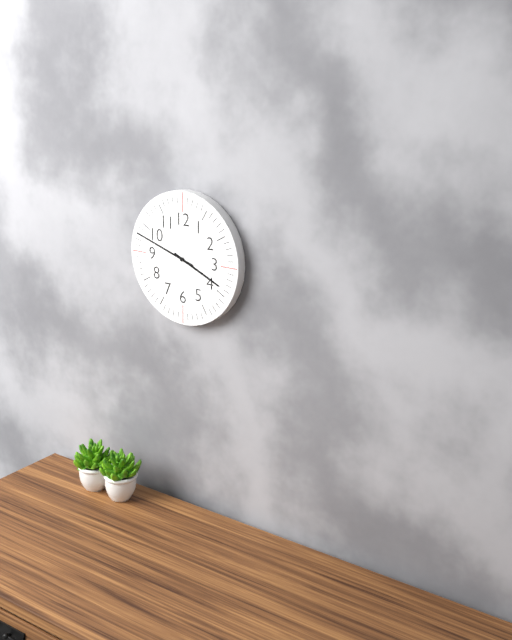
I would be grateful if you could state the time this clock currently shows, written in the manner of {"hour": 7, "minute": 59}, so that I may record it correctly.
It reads {"hour": 3, "minute": 48}
